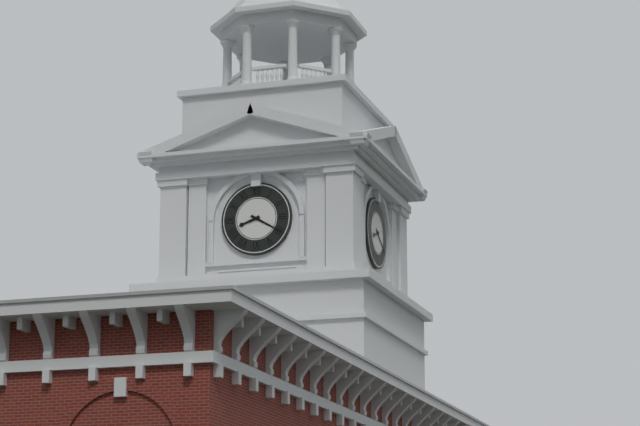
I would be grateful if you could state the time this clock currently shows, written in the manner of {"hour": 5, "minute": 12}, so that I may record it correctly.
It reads {"hour": 8, "minute": 20}
